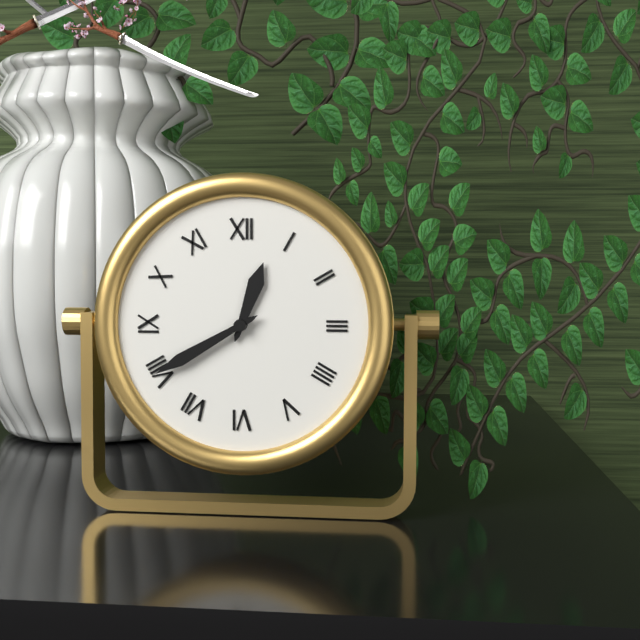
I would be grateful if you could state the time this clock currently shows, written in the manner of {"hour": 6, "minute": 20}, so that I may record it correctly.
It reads {"hour": 12, "minute": 40}
